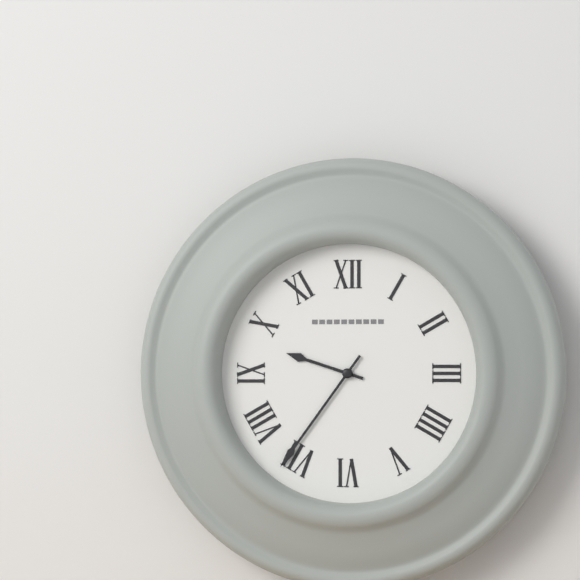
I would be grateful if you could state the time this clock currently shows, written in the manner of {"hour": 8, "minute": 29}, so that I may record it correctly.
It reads {"hour": 9, "minute": 36}
